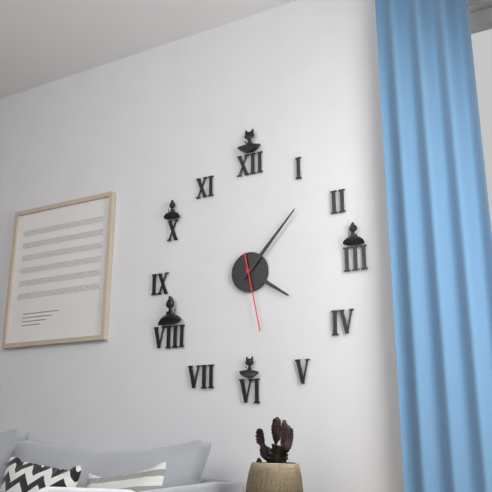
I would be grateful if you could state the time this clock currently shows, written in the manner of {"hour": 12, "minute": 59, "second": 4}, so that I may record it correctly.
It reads {"hour": 4, "minute": 7, "second": 28}
